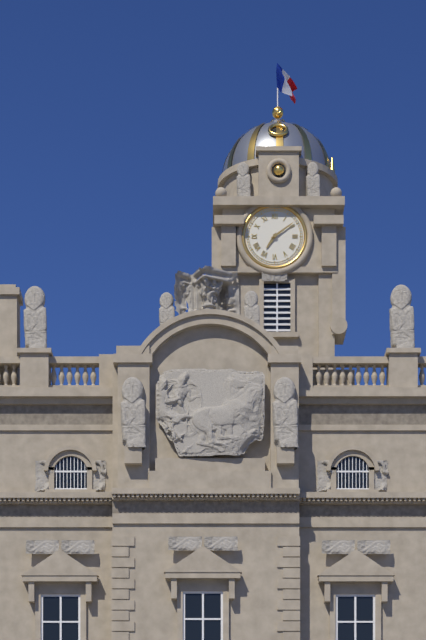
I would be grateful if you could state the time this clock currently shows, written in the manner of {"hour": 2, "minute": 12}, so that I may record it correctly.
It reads {"hour": 7, "minute": 9}
